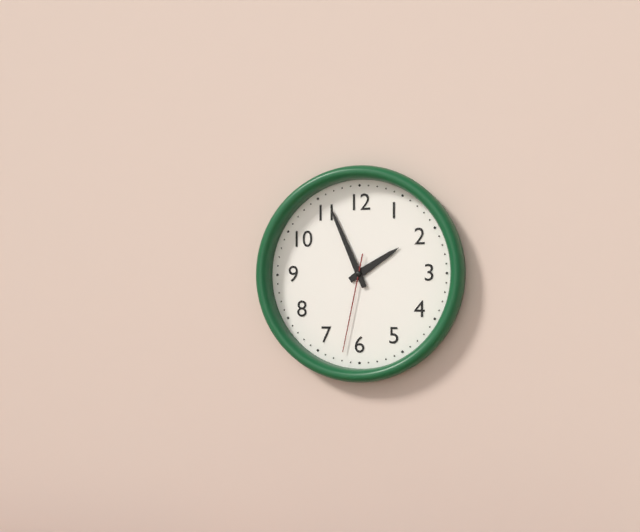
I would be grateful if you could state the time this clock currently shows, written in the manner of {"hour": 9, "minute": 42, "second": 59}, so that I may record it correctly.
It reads {"hour": 1, "minute": 56, "second": 32}
